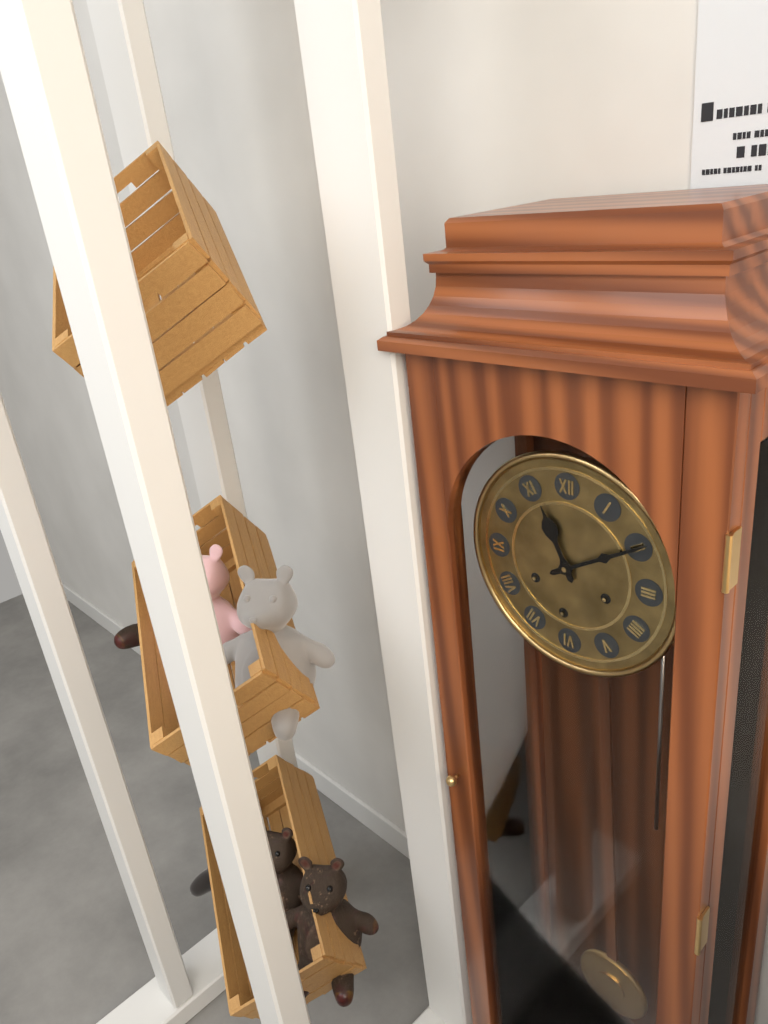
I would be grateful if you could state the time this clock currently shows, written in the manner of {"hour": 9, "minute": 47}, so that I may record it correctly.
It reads {"hour": 11, "minute": 10}
